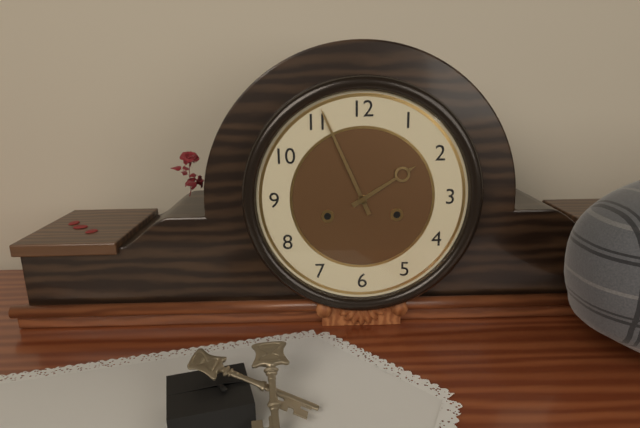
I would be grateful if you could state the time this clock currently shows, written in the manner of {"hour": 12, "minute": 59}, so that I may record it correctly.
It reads {"hour": 1, "minute": 56}
